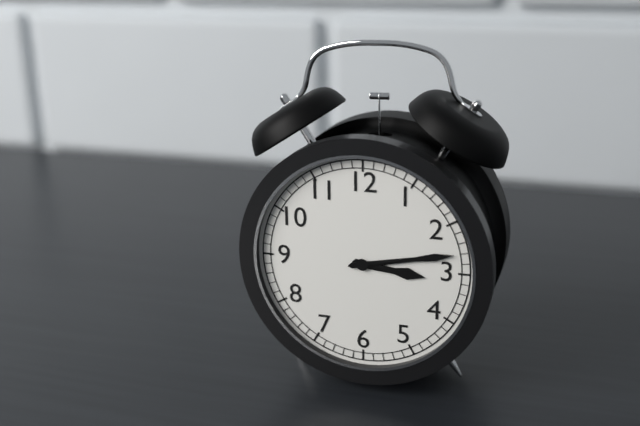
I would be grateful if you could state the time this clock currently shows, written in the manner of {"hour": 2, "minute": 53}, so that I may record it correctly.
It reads {"hour": 3, "minute": 13}
